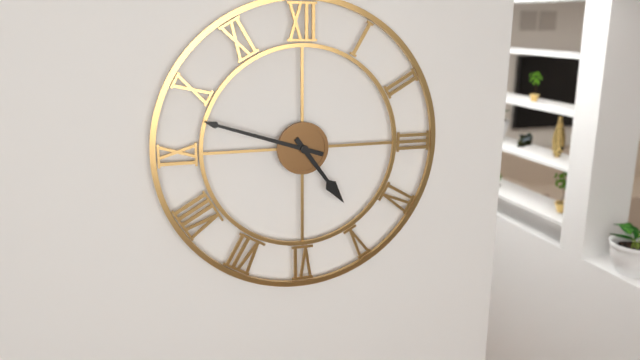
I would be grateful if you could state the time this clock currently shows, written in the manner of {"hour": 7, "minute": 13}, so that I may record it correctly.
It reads {"hour": 4, "minute": 48}
